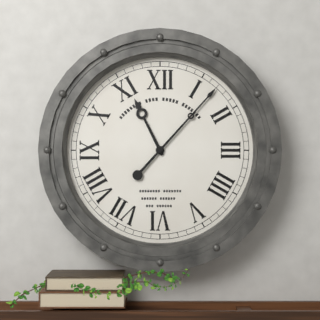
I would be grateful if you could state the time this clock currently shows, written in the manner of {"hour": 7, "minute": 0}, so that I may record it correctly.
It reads {"hour": 11, "minute": 7}
